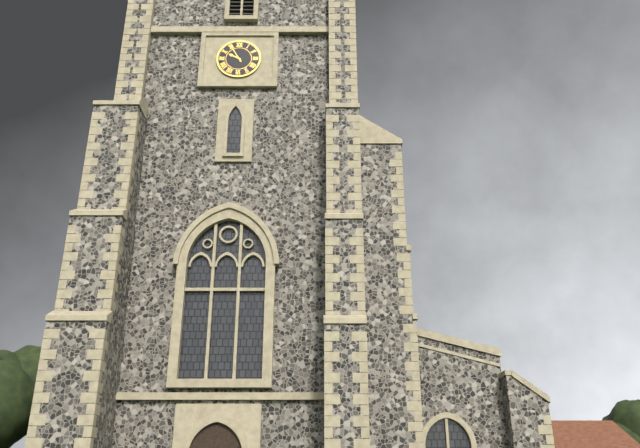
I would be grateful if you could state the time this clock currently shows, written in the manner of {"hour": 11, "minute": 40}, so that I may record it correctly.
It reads {"hour": 9, "minute": 55}
